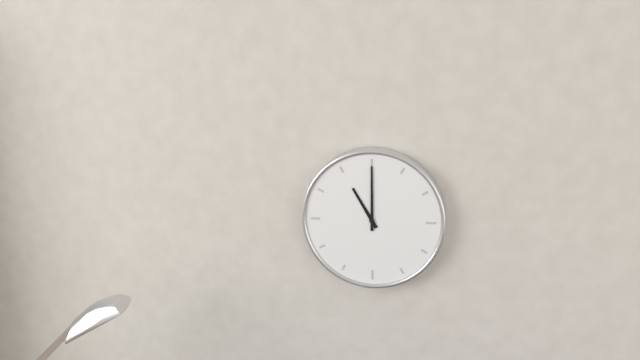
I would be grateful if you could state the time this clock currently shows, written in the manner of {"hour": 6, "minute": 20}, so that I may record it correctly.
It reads {"hour": 11, "minute": 0}
